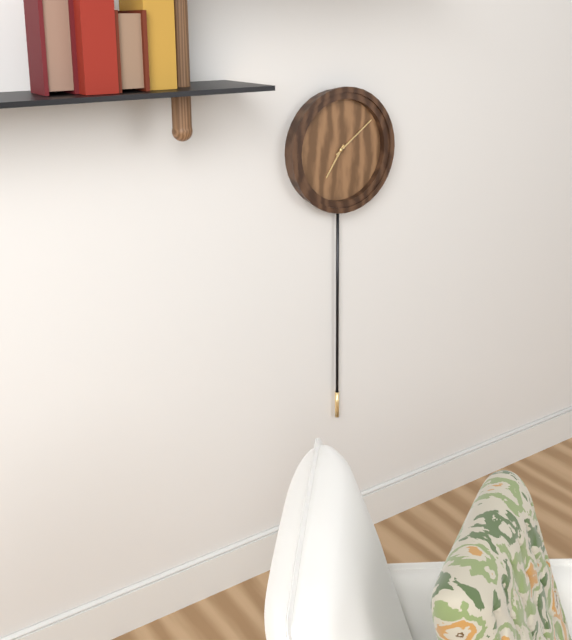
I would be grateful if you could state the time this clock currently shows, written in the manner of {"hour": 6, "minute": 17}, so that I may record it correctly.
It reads {"hour": 7, "minute": 9}
